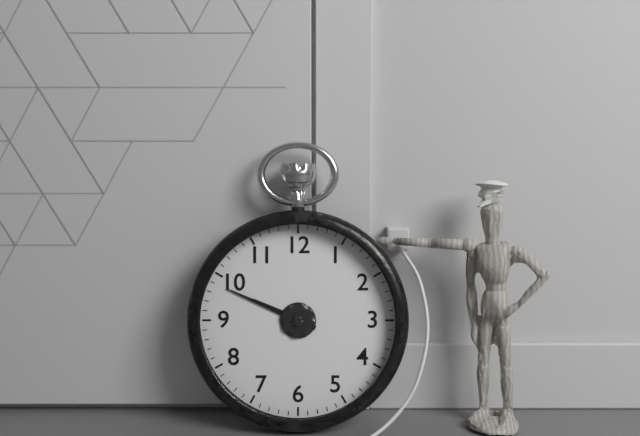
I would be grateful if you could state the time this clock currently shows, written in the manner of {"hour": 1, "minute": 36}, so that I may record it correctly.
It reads {"hour": 9, "minute": 49}
